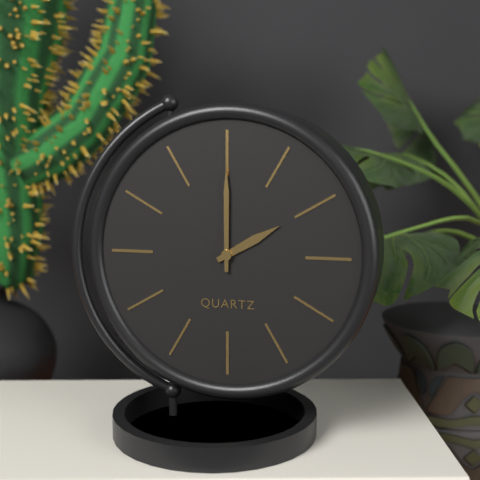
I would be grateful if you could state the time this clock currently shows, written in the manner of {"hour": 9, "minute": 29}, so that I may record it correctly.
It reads {"hour": 2, "minute": 0}
